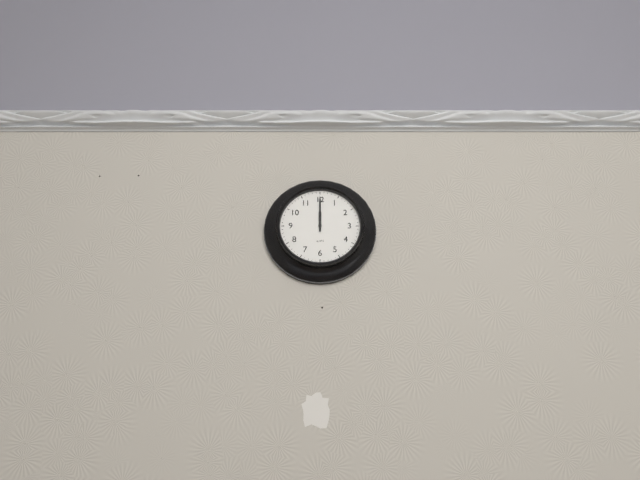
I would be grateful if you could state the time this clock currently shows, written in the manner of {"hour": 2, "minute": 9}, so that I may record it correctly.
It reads {"hour": 12, "minute": 0}
